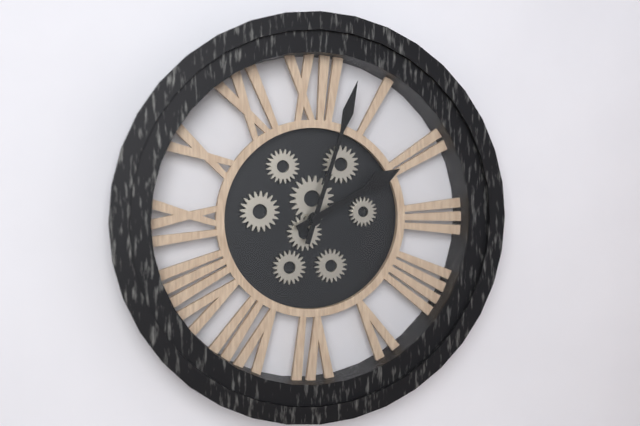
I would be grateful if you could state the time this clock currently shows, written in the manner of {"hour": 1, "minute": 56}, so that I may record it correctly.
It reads {"hour": 2, "minute": 3}
